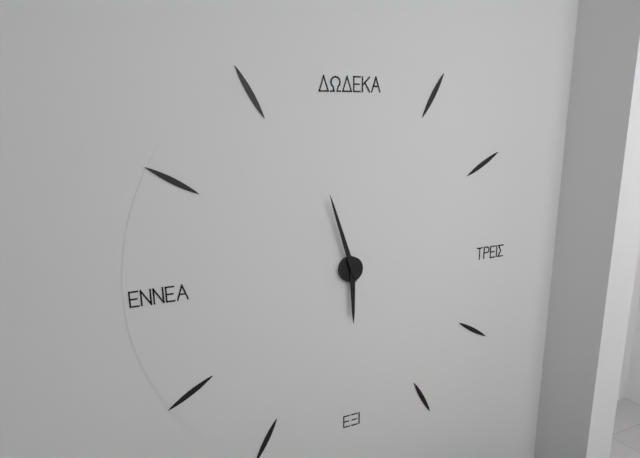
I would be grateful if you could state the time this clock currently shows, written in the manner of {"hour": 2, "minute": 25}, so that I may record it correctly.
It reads {"hour": 5, "minute": 57}
